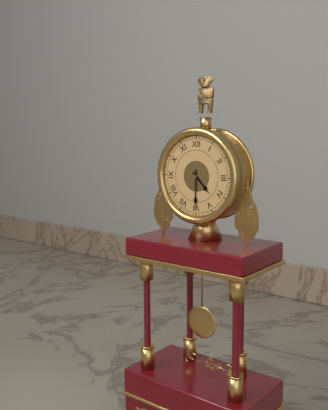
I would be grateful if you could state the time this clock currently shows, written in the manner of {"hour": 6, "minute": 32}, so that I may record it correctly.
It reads {"hour": 4, "minute": 30}
